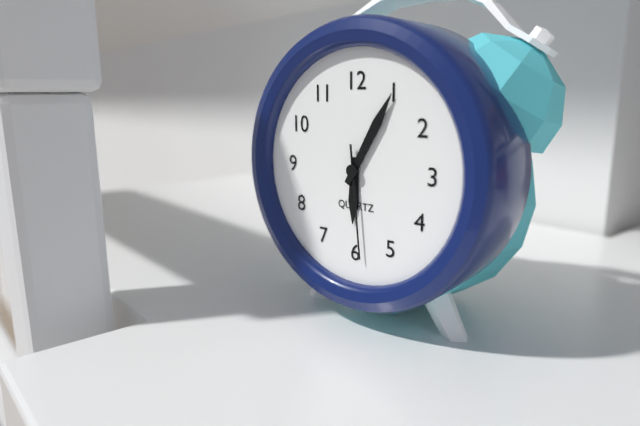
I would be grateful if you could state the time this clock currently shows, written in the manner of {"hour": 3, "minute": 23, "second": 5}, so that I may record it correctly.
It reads {"hour": 6, "minute": 5, "second": 29}
